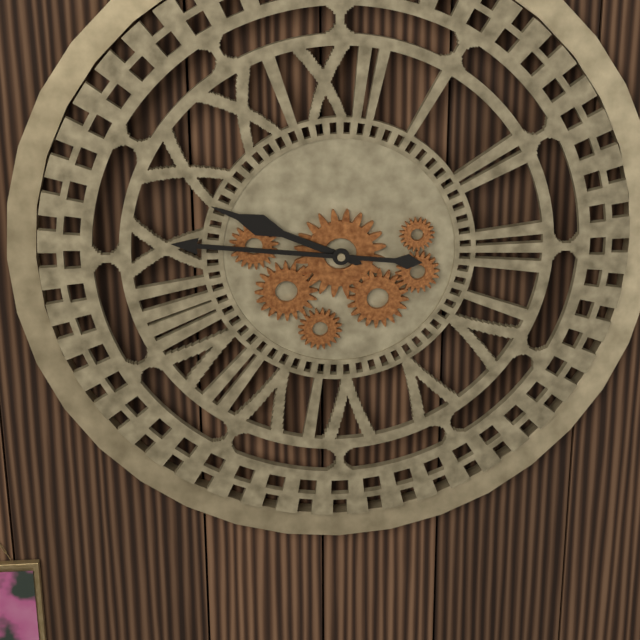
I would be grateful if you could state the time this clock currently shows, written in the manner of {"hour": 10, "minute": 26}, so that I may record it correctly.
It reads {"hour": 9, "minute": 46}
